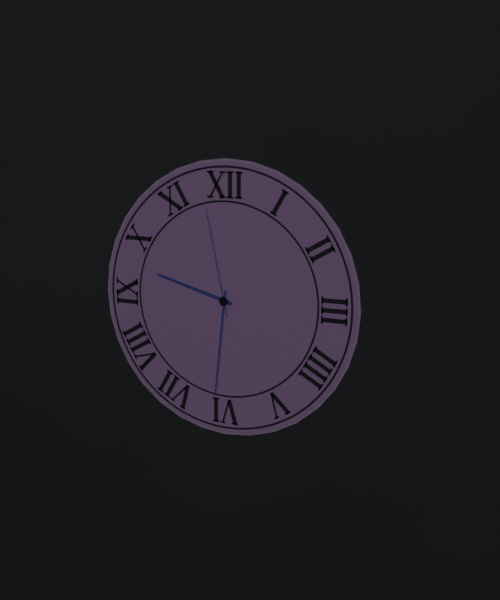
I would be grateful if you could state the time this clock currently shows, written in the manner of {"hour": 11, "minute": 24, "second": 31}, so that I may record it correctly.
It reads {"hour": 9, "minute": 31, "second": 58}
